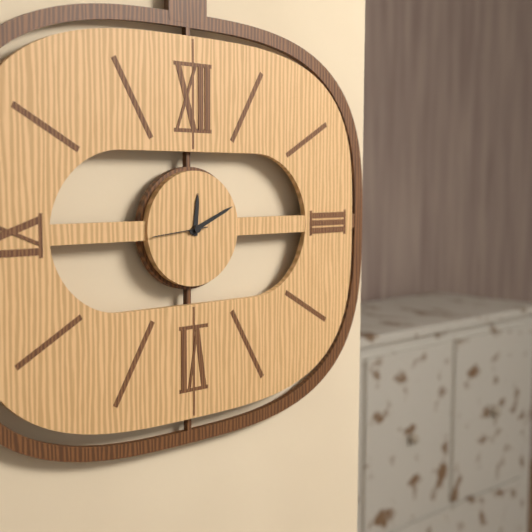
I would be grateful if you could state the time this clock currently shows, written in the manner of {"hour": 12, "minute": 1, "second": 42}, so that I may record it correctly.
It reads {"hour": 12, "minute": 11, "second": 44}
